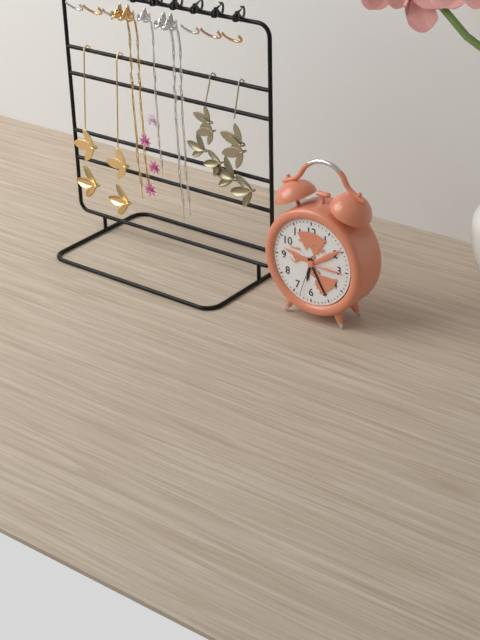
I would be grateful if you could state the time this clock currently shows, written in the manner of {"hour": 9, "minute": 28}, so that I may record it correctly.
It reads {"hour": 6, "minute": 25}
